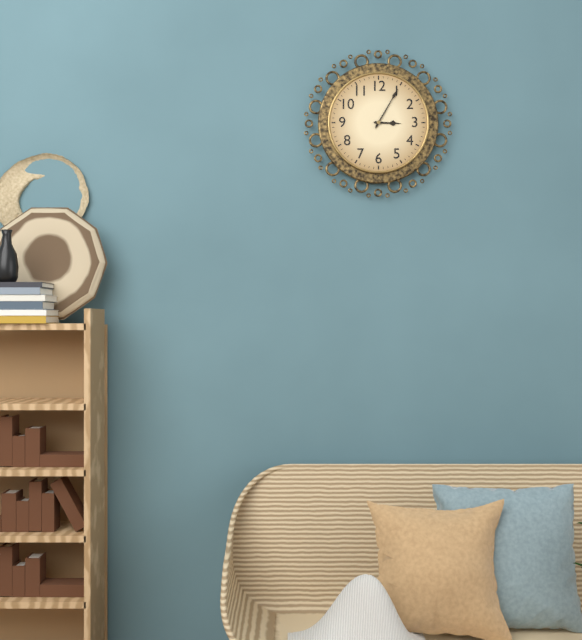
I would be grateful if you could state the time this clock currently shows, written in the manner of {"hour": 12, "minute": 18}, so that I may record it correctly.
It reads {"hour": 3, "minute": 5}
